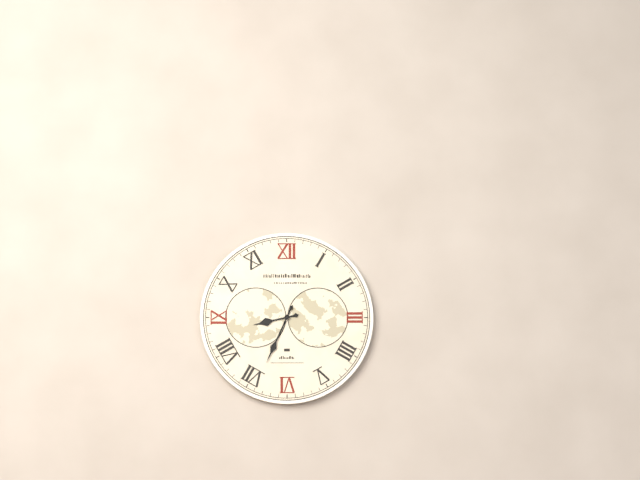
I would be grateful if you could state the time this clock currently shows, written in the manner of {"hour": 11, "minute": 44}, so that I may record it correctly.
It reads {"hour": 8, "minute": 34}
